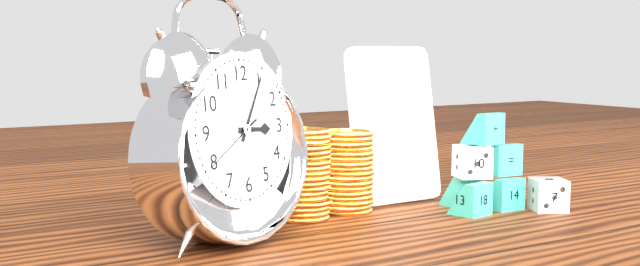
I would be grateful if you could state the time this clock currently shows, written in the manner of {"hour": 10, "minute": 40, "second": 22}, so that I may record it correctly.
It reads {"hour": 3, "minute": 5, "second": 40}
